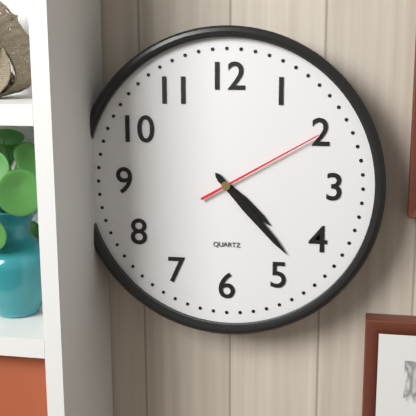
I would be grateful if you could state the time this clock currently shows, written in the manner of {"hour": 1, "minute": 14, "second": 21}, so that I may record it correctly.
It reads {"hour": 4, "minute": 23, "second": 10}
